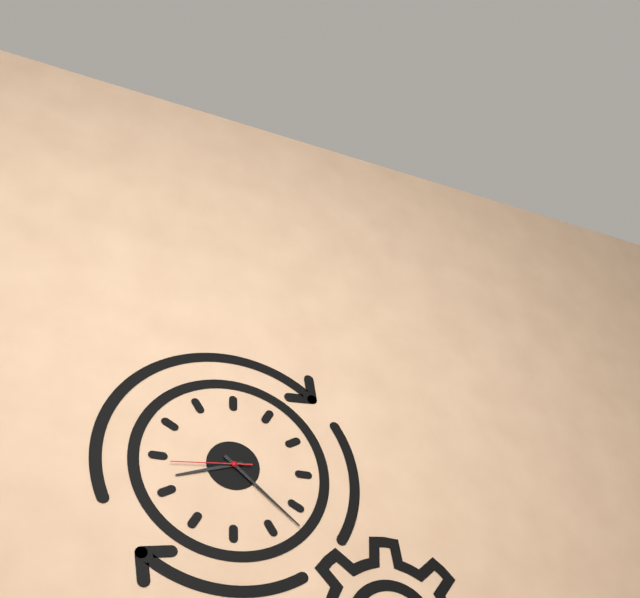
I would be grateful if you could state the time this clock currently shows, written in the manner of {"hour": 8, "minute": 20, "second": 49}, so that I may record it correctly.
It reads {"hour": 8, "minute": 22, "second": 44}
